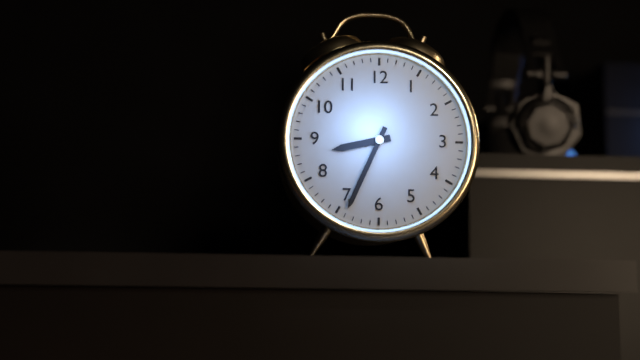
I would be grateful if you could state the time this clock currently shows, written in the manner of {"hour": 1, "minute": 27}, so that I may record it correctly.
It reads {"hour": 8, "minute": 34}
